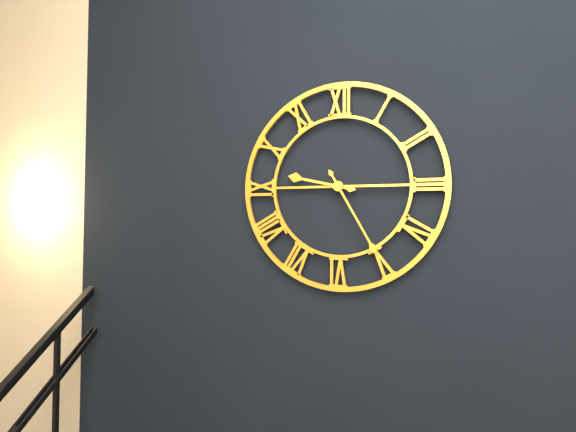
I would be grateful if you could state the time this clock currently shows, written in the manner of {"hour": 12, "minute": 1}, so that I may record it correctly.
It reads {"hour": 9, "minute": 25}
